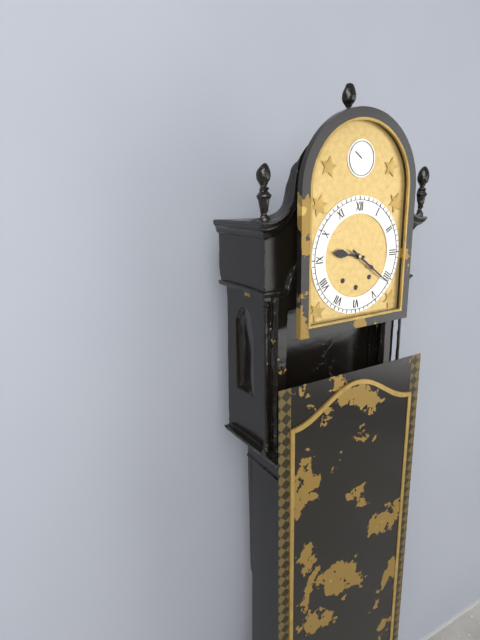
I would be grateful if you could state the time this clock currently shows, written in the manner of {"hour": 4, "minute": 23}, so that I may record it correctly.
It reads {"hour": 9, "minute": 21}
